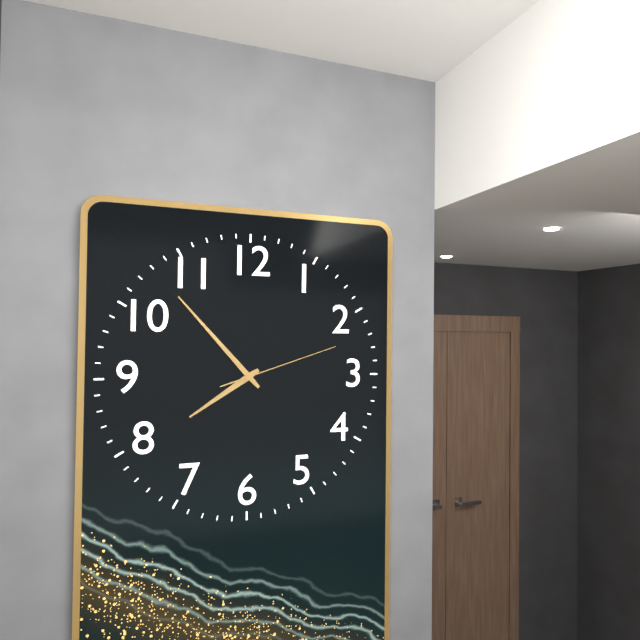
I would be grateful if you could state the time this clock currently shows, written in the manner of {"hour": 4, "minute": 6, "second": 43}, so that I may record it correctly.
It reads {"hour": 7, "minute": 53, "second": 12}
